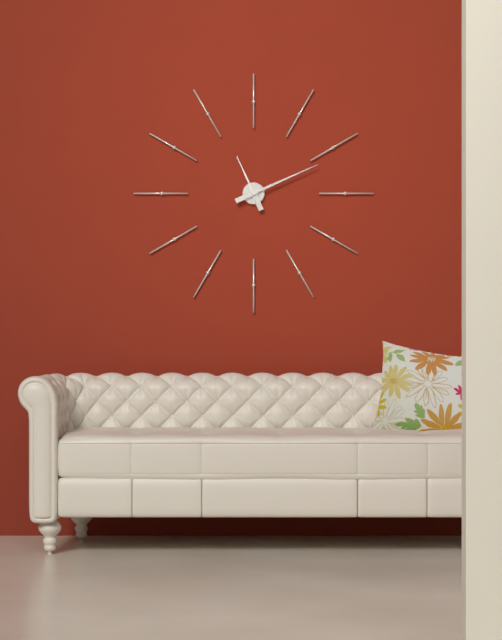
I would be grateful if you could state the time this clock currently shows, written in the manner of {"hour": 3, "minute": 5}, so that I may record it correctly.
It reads {"hour": 11, "minute": 11}
